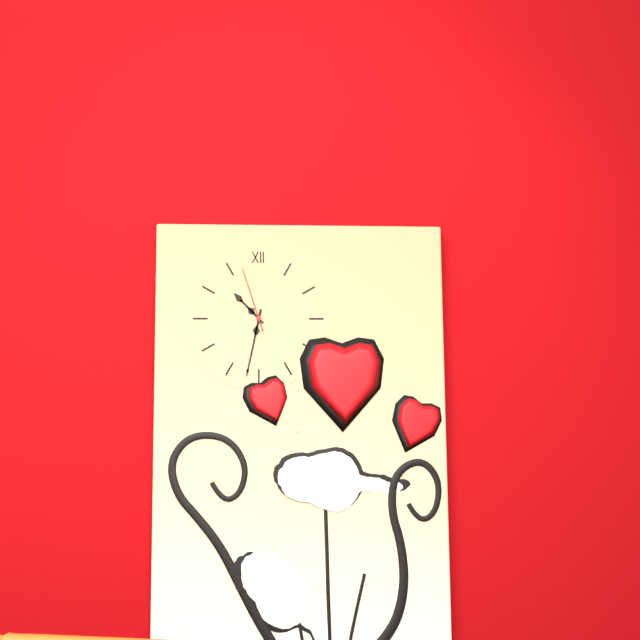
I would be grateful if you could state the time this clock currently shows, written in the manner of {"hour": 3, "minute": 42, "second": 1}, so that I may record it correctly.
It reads {"hour": 10, "minute": 32, "second": 57}
